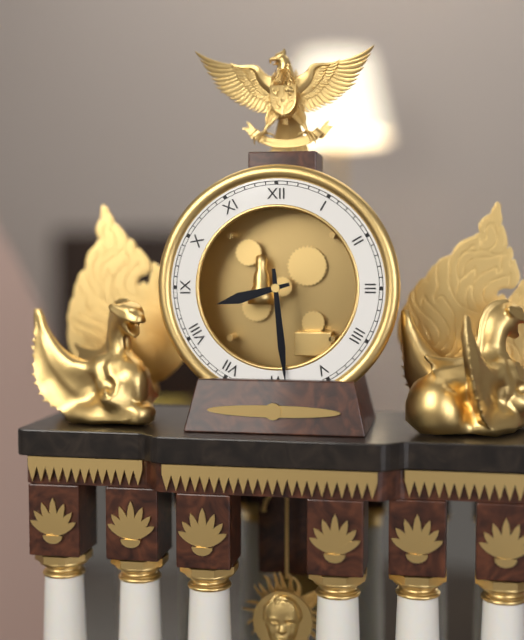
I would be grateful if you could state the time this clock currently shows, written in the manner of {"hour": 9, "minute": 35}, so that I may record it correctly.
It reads {"hour": 8, "minute": 29}
